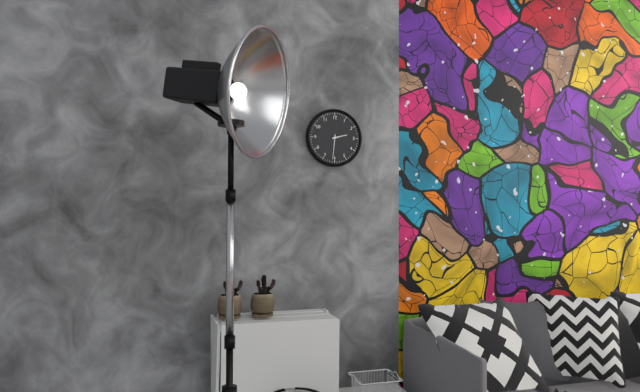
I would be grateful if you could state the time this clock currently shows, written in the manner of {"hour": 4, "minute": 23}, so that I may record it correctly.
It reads {"hour": 2, "minute": 31}
